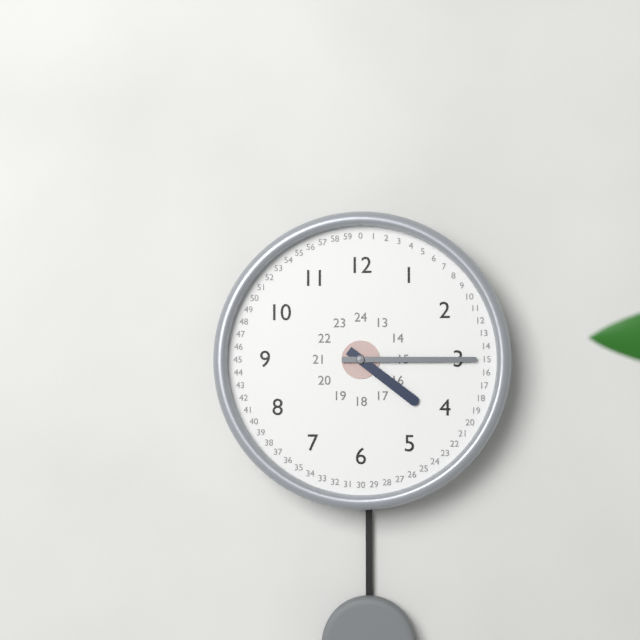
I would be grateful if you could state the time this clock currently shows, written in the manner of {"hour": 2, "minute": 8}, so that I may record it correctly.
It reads {"hour": 4, "minute": 15}
